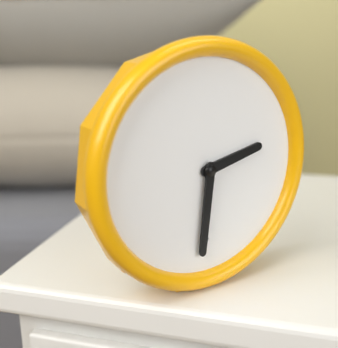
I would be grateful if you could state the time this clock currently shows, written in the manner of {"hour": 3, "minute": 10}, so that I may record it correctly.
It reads {"hour": 2, "minute": 31}
